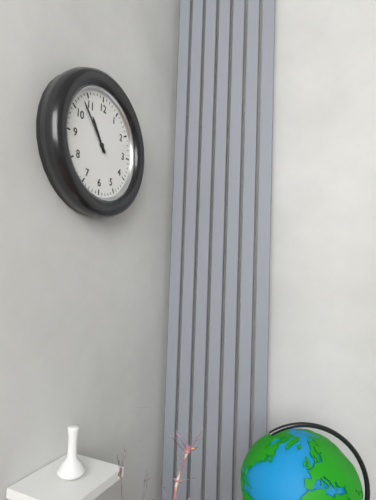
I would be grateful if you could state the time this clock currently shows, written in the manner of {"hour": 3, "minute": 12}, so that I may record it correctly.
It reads {"hour": 10, "minute": 53}
